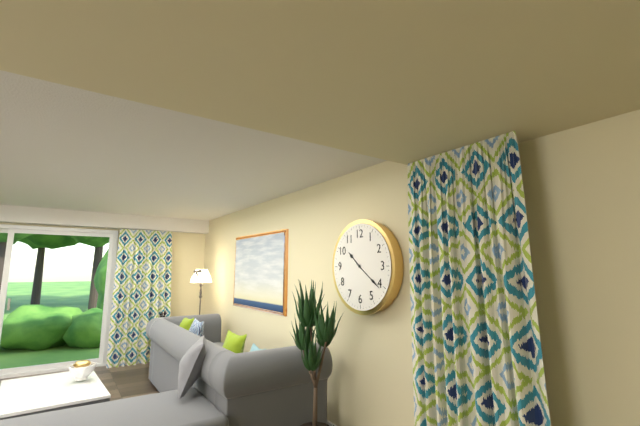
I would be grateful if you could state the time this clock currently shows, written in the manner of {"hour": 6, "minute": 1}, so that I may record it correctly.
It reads {"hour": 10, "minute": 21}
